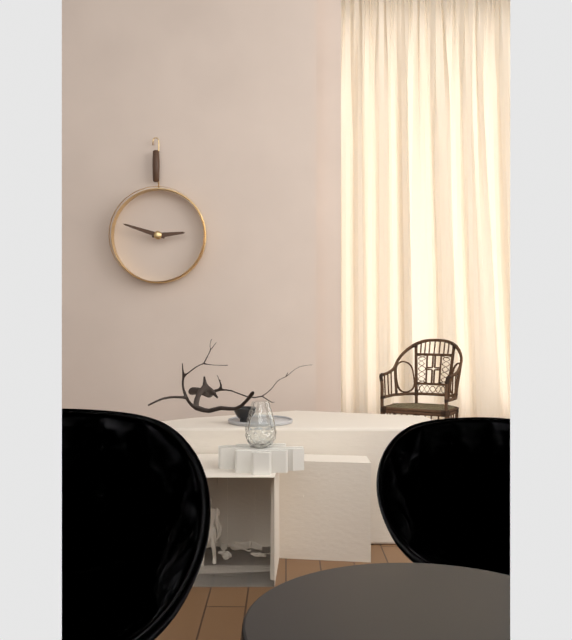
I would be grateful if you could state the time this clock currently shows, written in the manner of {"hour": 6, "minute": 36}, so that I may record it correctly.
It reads {"hour": 2, "minute": 48}
